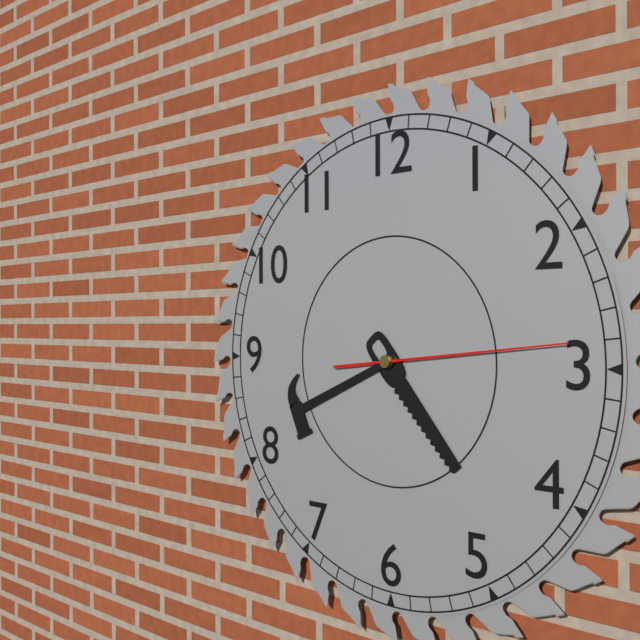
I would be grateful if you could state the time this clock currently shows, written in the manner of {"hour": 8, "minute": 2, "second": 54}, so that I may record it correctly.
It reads {"hour": 4, "minute": 41, "second": 14}
